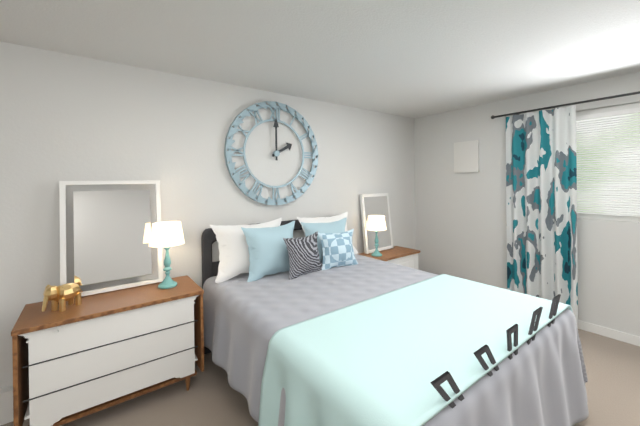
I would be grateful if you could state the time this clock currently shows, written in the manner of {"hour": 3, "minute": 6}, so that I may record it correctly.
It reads {"hour": 2, "minute": 0}
